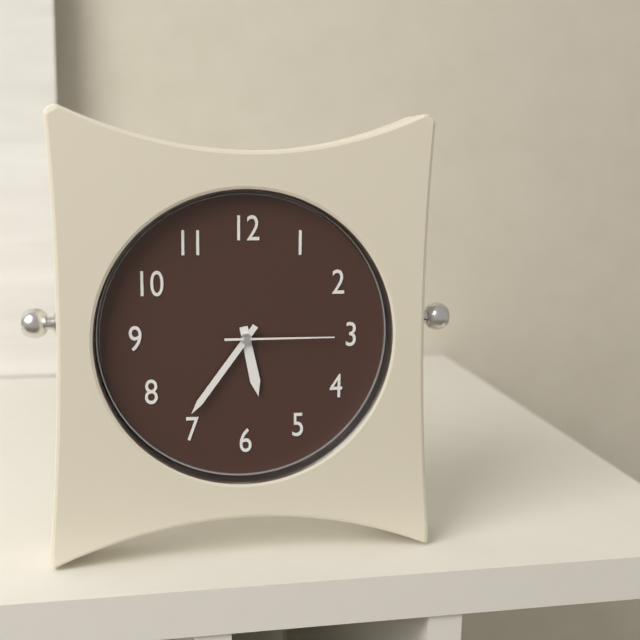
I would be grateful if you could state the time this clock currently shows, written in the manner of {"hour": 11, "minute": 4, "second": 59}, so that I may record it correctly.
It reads {"hour": 5, "minute": 36, "second": 15}
